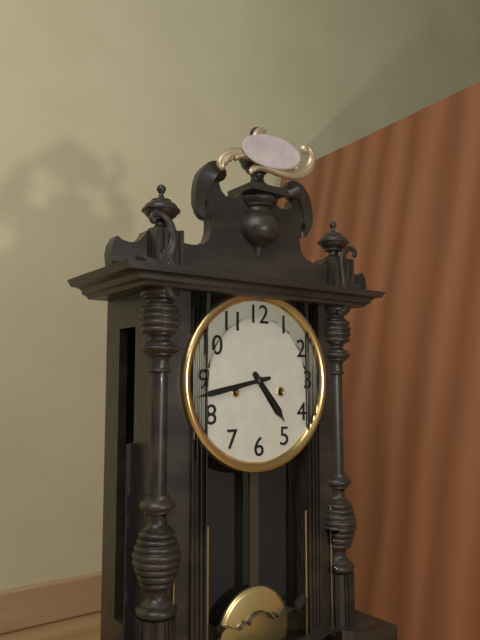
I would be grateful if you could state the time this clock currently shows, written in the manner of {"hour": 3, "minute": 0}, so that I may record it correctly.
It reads {"hour": 4, "minute": 43}
